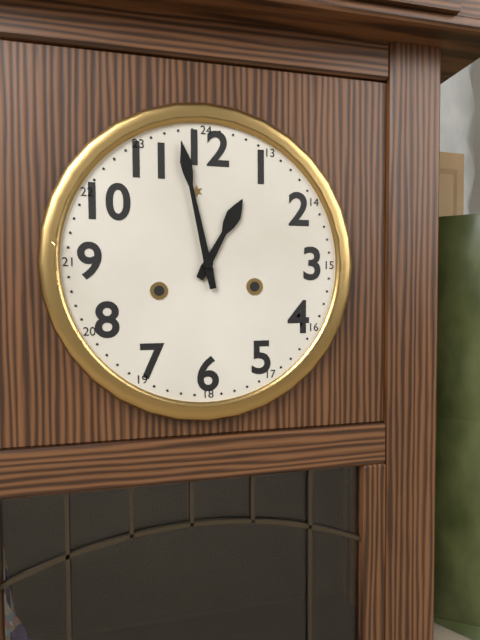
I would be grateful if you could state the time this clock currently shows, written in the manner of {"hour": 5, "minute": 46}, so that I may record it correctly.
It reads {"hour": 12, "minute": 58}
